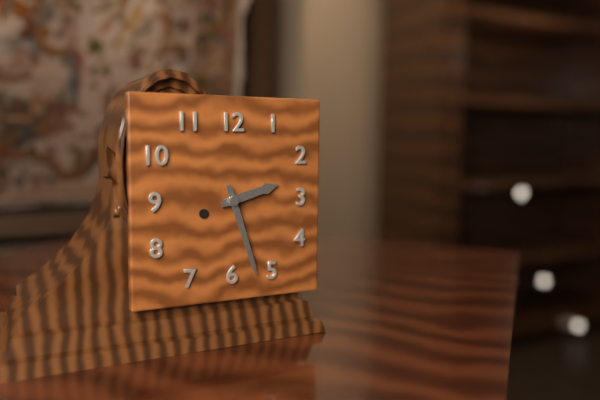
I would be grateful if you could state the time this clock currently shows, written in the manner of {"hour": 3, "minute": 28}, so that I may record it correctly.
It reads {"hour": 2, "minute": 27}
